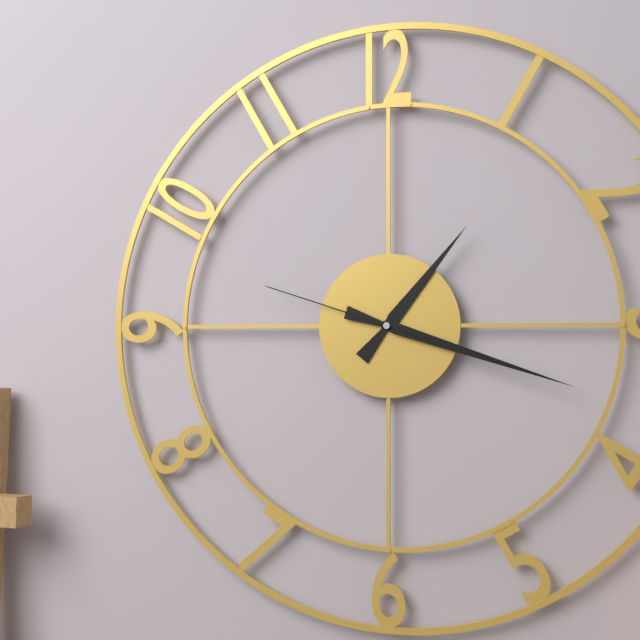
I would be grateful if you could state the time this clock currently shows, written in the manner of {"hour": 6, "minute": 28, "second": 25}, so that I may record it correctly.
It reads {"hour": 1, "minute": 18, "second": 48}
